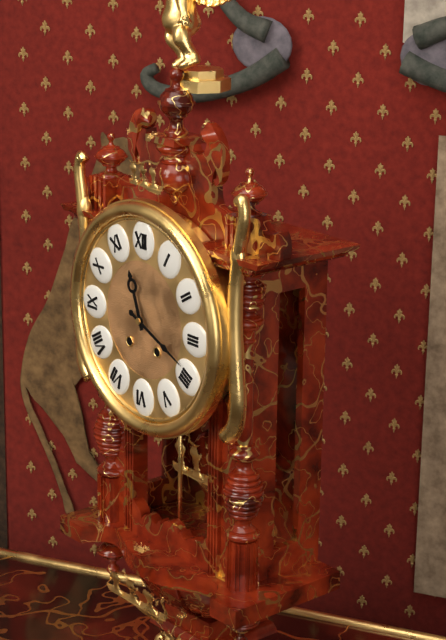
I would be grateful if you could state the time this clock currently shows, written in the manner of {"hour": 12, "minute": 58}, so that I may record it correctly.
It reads {"hour": 11, "minute": 19}
